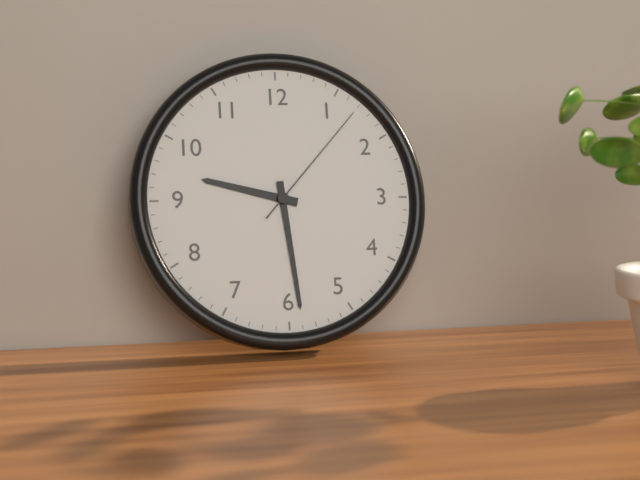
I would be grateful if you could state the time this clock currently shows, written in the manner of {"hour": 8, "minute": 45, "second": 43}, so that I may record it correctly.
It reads {"hour": 9, "minute": 29, "second": 7}
